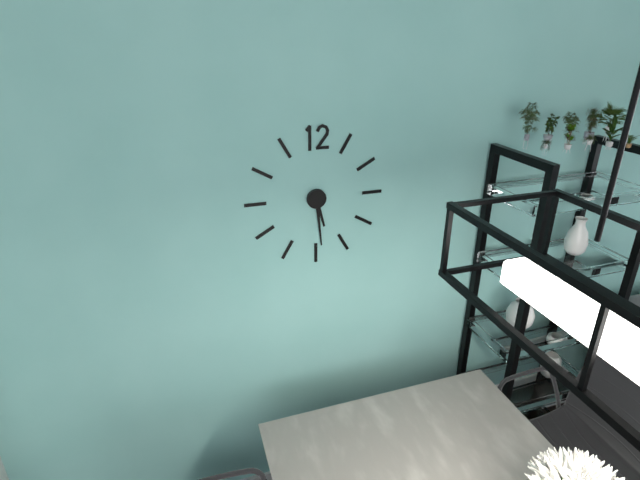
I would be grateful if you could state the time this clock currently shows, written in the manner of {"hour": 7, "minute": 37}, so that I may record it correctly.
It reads {"hour": 5, "minute": 29}
